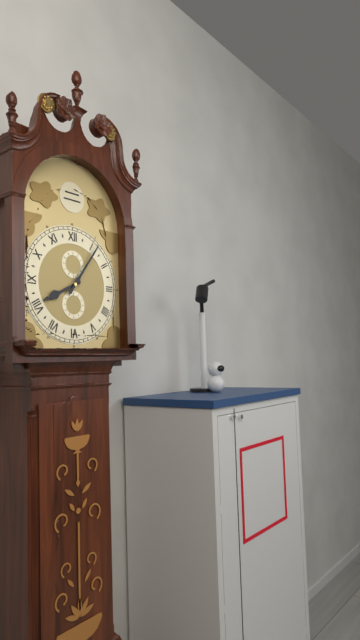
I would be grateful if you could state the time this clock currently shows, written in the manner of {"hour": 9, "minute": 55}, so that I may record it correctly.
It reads {"hour": 8, "minute": 6}
